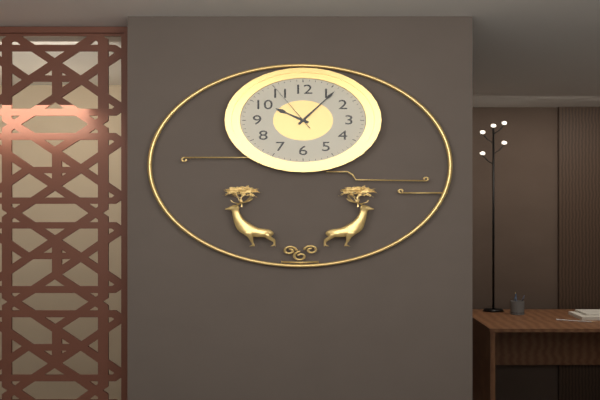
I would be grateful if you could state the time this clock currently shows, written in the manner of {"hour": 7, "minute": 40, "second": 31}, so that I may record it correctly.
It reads {"hour": 10, "minute": 6, "second": 55}
